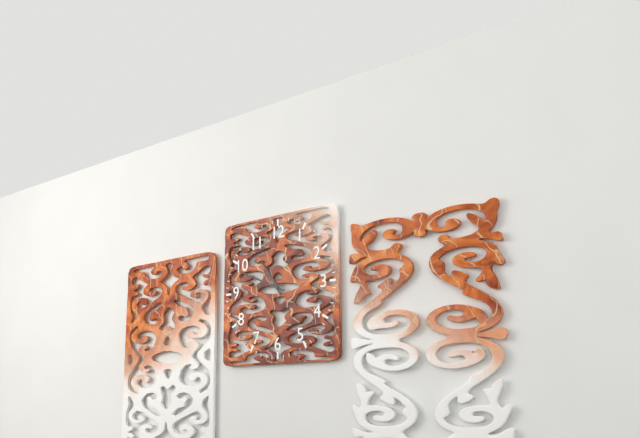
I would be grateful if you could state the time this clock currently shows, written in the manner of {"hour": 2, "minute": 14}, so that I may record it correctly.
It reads {"hour": 10, "minute": 49}
